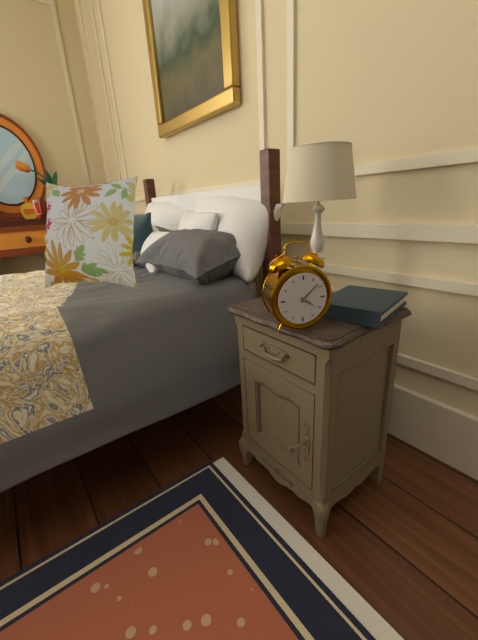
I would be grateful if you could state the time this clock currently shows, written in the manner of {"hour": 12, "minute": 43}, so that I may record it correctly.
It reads {"hour": 4, "minute": 8}
